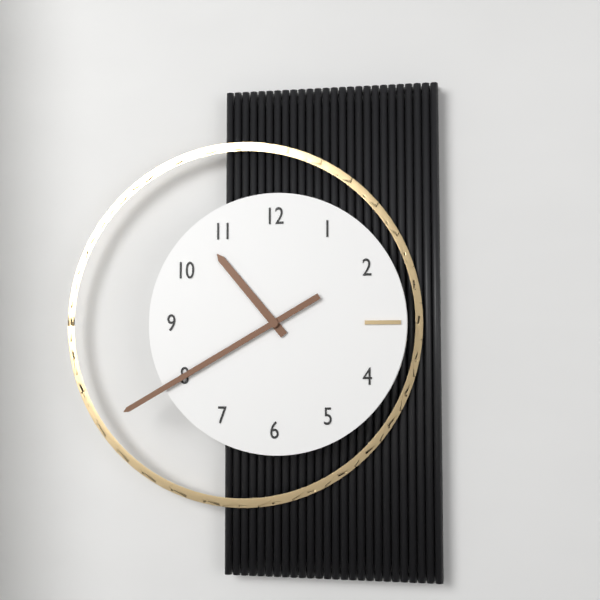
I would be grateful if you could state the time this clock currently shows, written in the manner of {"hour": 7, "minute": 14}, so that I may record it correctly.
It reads {"hour": 10, "minute": 40}
